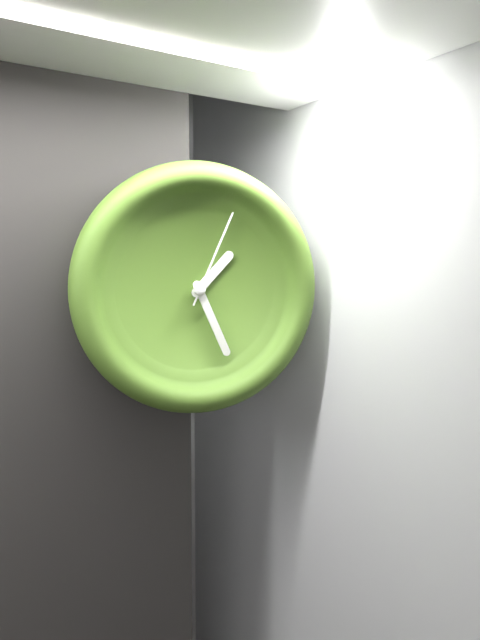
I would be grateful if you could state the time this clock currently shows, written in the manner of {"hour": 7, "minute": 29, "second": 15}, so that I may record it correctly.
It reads {"hour": 1, "minute": 26, "second": 4}
